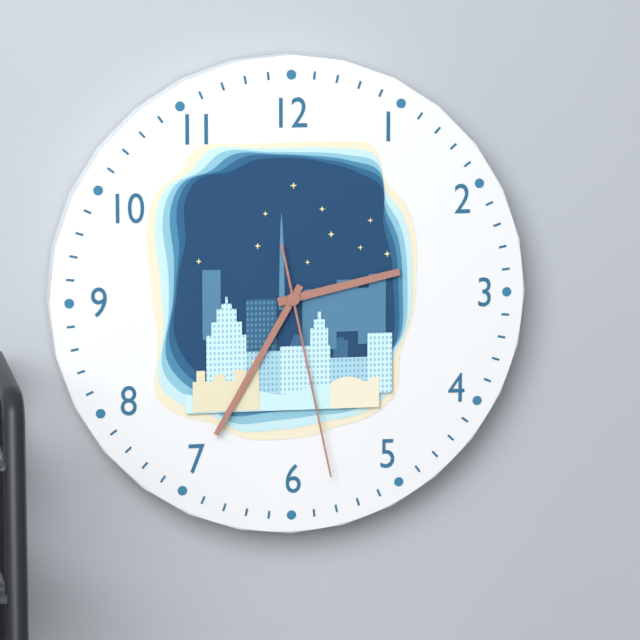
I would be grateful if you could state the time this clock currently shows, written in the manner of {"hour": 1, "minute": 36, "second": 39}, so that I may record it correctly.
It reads {"hour": 2, "minute": 35, "second": 28}
